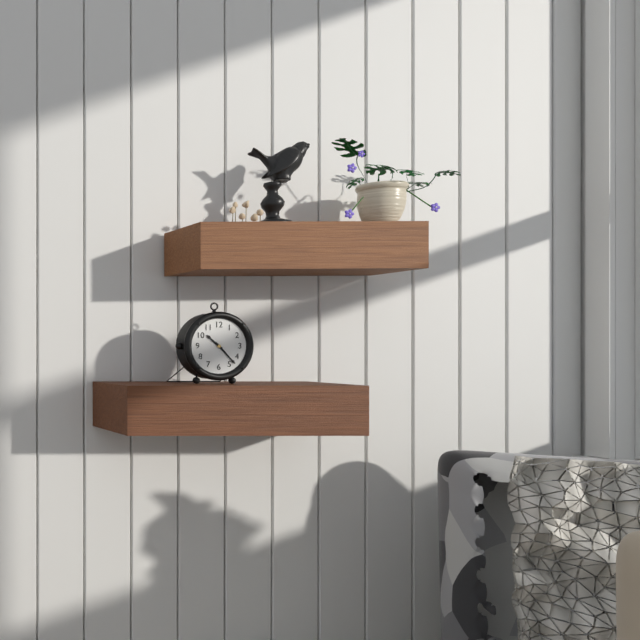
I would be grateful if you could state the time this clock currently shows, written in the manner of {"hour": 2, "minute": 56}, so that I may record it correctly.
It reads {"hour": 10, "minute": 23}
